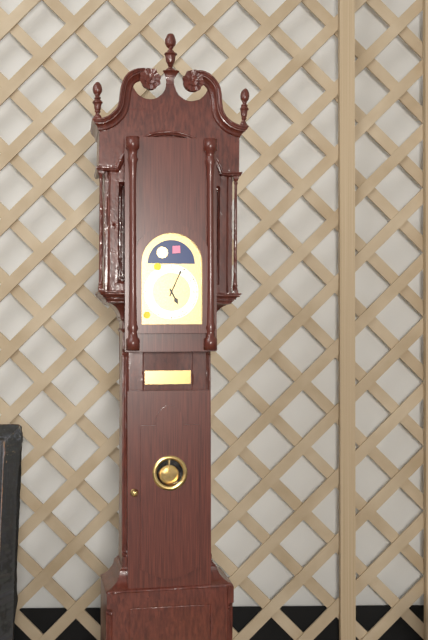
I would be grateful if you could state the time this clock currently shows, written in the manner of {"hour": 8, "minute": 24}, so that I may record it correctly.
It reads {"hour": 5, "minute": 4}
